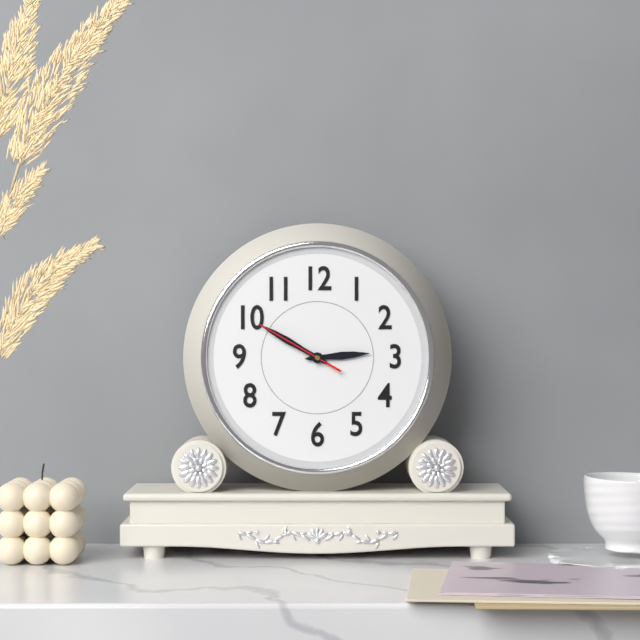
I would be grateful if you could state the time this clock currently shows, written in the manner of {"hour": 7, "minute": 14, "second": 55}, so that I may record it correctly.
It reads {"hour": 2, "minute": 50, "second": 50}
